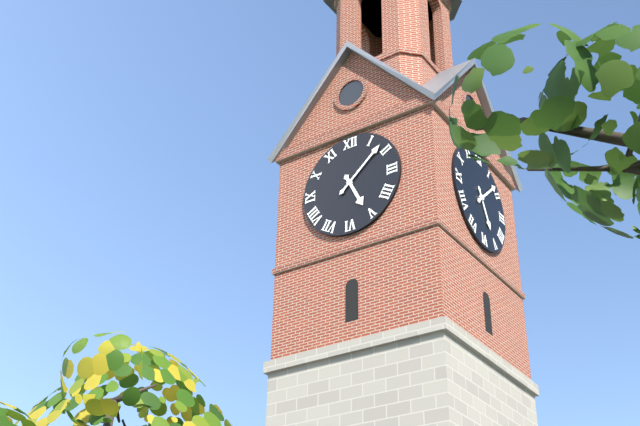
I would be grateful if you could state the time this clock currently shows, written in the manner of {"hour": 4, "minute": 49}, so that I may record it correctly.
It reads {"hour": 5, "minute": 8}
